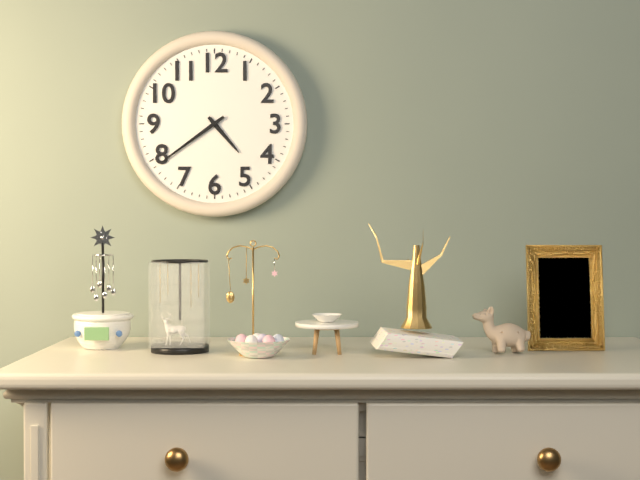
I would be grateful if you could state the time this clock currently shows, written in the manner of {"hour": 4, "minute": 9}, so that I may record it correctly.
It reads {"hour": 4, "minute": 39}
